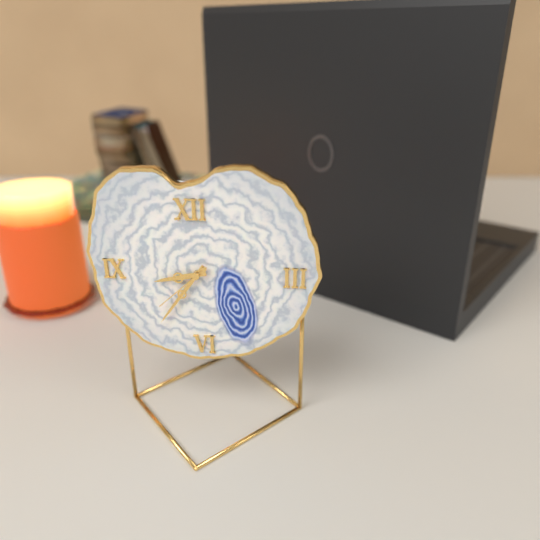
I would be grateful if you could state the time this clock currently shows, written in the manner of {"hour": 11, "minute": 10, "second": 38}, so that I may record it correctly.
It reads {"hour": 8, "minute": 36, "second": 38}
